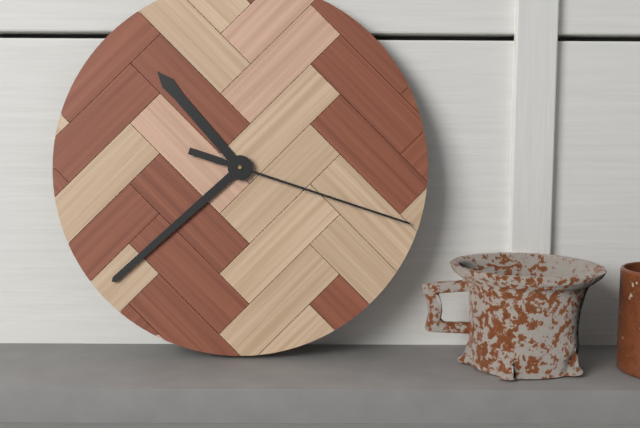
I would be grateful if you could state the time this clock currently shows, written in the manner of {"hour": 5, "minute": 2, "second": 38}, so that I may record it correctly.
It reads {"hour": 10, "minute": 38, "second": 18}
